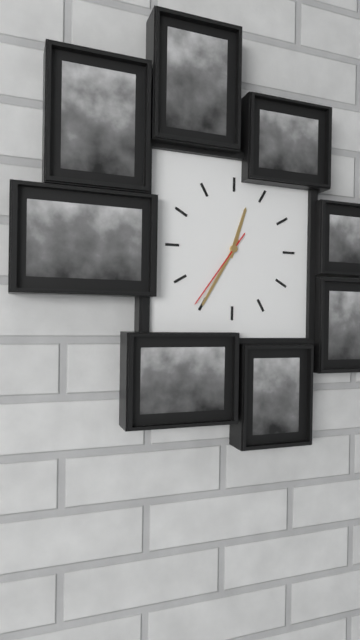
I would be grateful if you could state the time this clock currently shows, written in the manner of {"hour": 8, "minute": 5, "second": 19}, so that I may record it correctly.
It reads {"hour": 12, "minute": 35, "second": 36}
